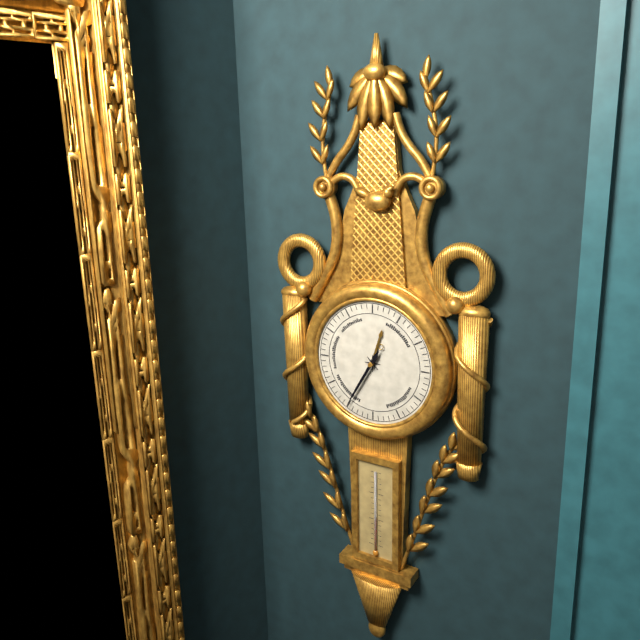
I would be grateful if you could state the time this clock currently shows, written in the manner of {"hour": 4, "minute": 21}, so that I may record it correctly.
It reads {"hour": 12, "minute": 35}
